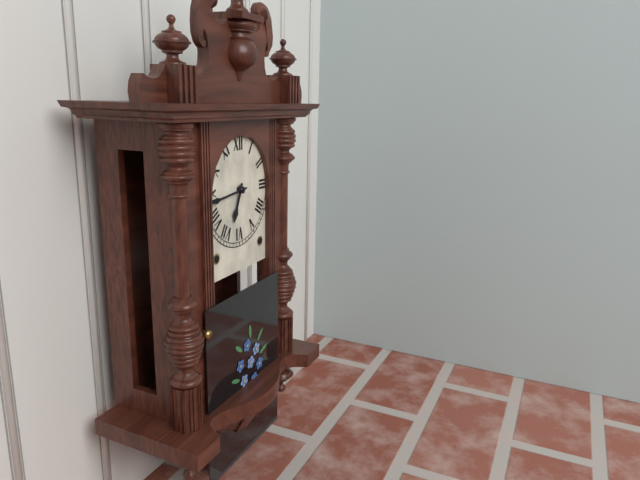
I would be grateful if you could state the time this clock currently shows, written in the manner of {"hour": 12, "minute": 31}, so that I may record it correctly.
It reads {"hour": 6, "minute": 44}
